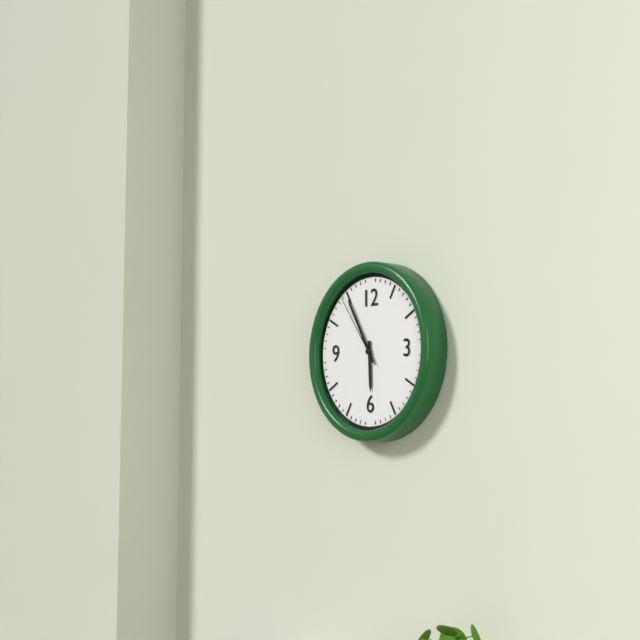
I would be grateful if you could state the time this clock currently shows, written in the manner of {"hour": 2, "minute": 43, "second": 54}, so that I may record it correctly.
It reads {"hour": 5, "minute": 55, "second": 54}
